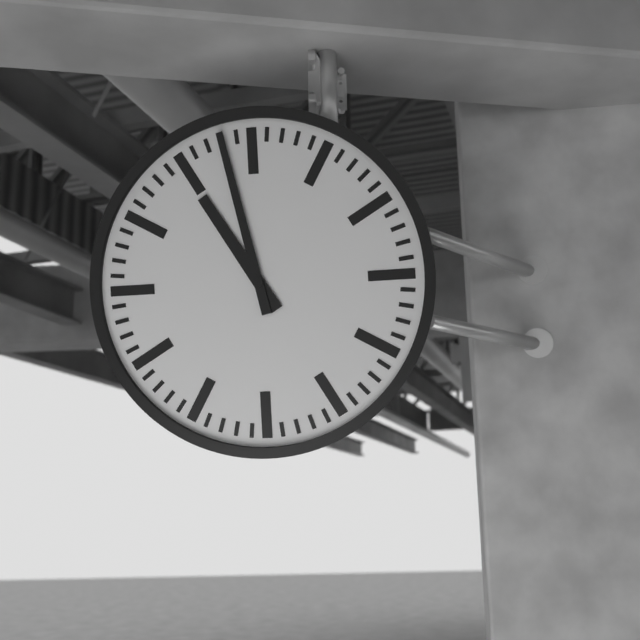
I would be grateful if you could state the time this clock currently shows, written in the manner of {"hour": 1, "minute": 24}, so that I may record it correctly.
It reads {"hour": 10, "minute": 58}
